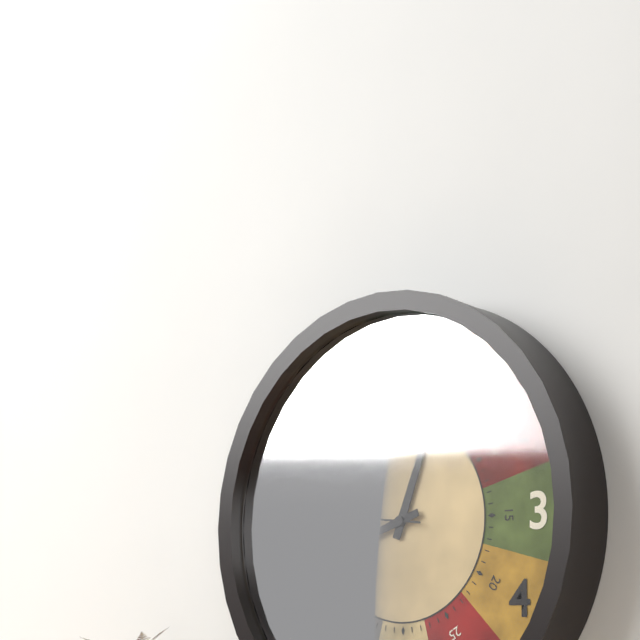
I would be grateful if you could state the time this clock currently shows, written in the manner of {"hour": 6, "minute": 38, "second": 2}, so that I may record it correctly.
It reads {"hour": 12, "minute": 42, "second": 46}
